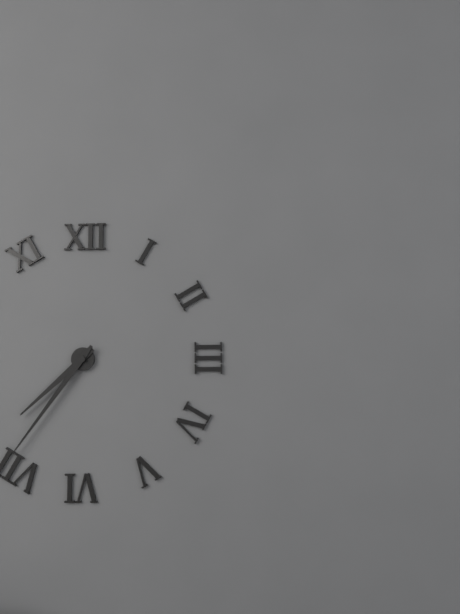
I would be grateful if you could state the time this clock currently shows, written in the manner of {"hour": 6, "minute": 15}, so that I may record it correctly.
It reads {"hour": 7, "minute": 36}
